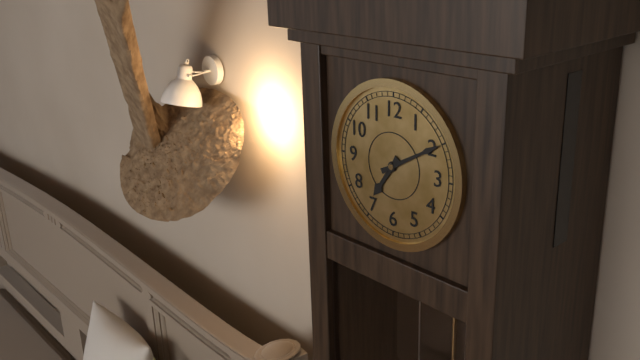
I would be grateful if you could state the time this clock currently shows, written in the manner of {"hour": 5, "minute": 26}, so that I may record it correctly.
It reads {"hour": 7, "minute": 10}
